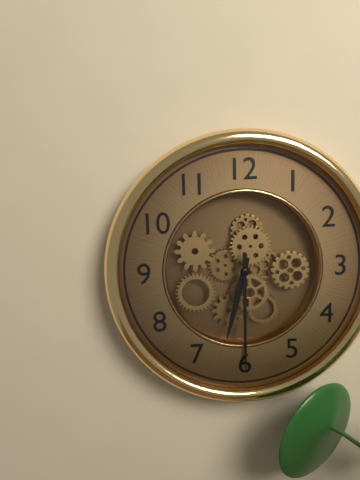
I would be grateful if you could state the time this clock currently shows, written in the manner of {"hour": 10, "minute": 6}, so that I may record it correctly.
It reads {"hour": 6, "minute": 30}
